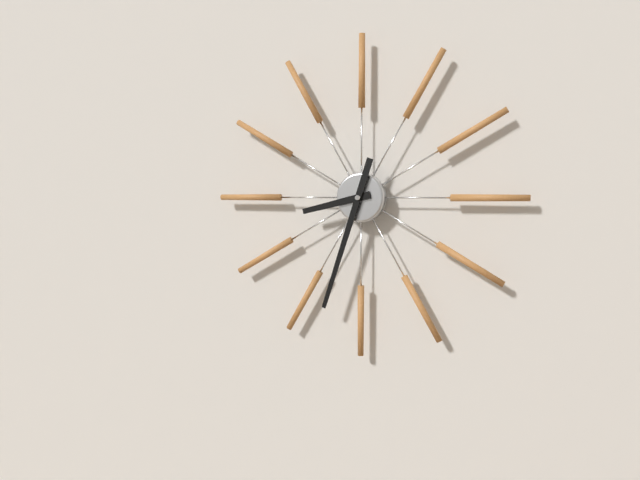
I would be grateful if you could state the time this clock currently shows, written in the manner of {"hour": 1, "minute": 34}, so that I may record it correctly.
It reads {"hour": 8, "minute": 33}
